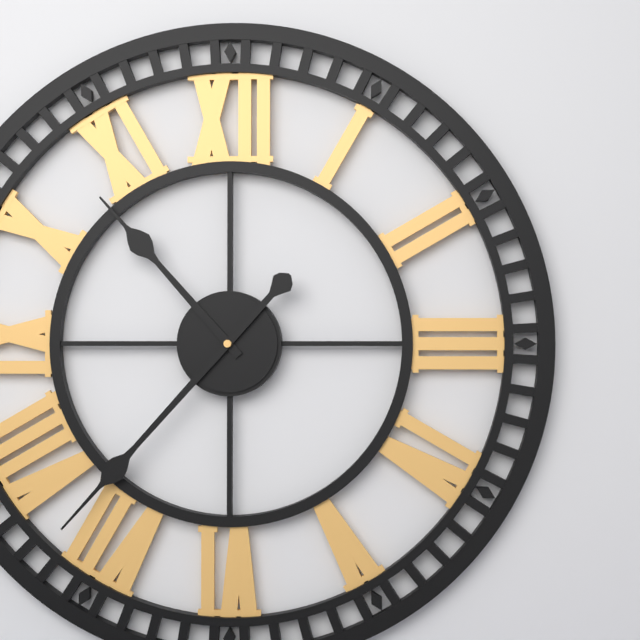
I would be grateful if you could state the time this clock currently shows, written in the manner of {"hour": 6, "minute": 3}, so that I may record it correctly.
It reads {"hour": 10, "minute": 37}
